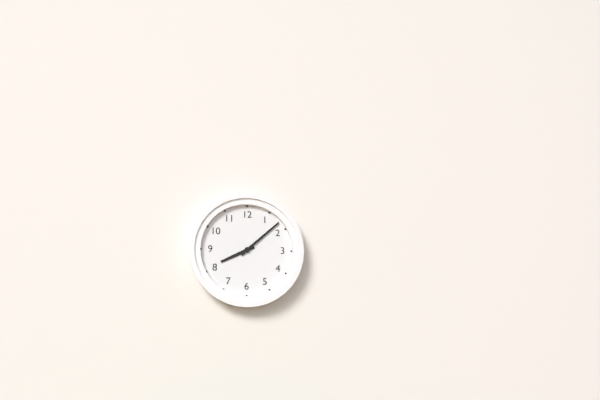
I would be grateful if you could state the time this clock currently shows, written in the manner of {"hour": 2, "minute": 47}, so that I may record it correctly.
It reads {"hour": 8, "minute": 8}
